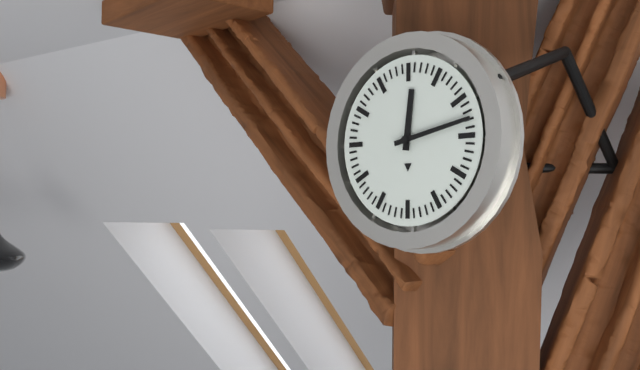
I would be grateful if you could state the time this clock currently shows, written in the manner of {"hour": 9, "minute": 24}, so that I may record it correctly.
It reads {"hour": 12, "minute": 13}
